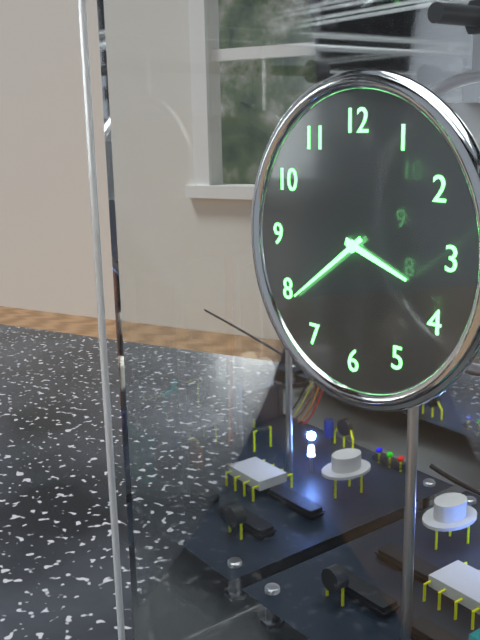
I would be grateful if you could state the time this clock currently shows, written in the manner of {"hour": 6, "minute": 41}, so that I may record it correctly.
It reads {"hour": 3, "minute": 39}
